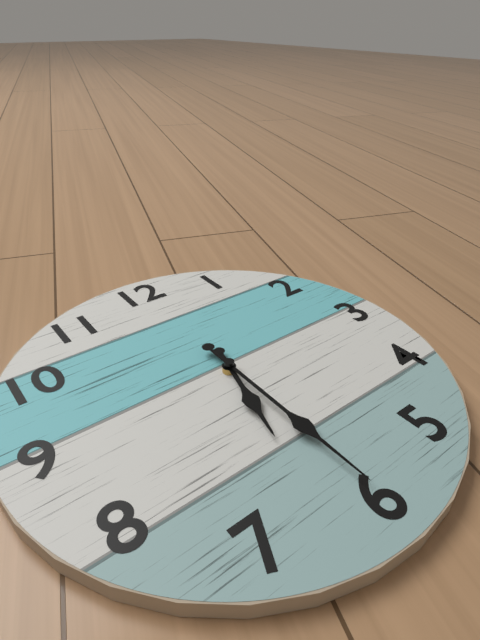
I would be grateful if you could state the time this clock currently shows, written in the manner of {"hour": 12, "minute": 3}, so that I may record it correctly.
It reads {"hour": 6, "minute": 30}
